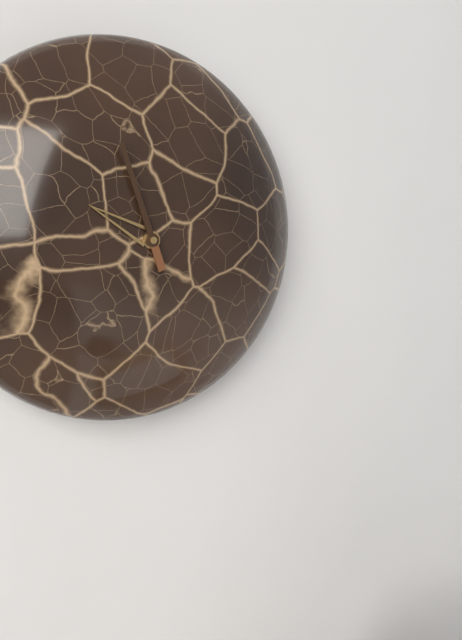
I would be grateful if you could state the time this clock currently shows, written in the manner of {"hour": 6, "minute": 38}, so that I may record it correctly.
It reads {"hour": 9, "minute": 57}
